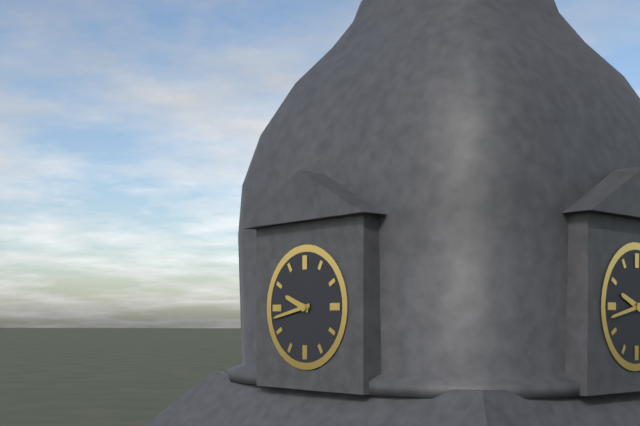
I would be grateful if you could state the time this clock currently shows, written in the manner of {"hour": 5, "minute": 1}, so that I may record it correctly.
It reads {"hour": 9, "minute": 43}
